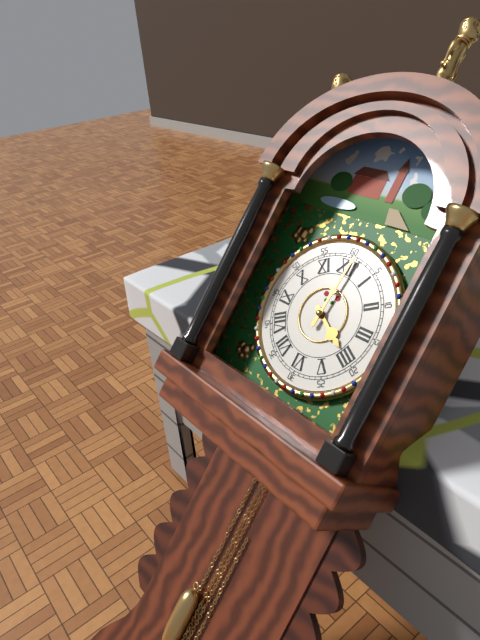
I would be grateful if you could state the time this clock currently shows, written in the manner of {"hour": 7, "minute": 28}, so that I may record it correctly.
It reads {"hour": 4, "minute": 1}
